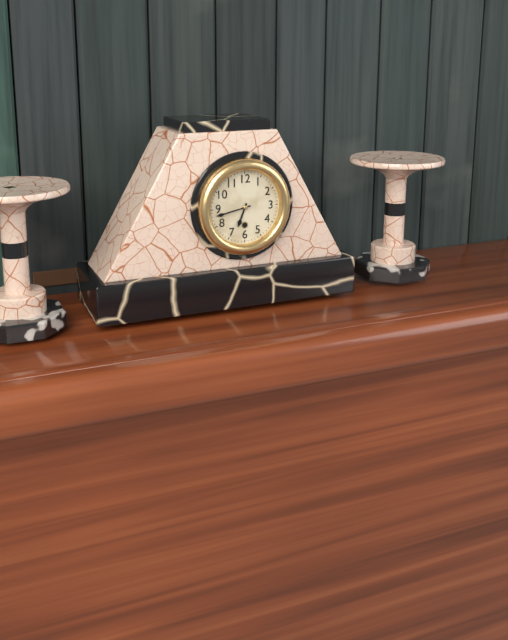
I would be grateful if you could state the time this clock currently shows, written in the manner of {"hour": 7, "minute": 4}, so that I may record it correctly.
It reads {"hour": 6, "minute": 43}
